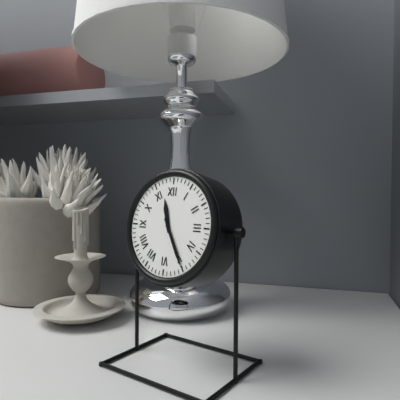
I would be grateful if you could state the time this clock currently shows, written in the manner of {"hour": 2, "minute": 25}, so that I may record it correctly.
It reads {"hour": 11, "minute": 25}
